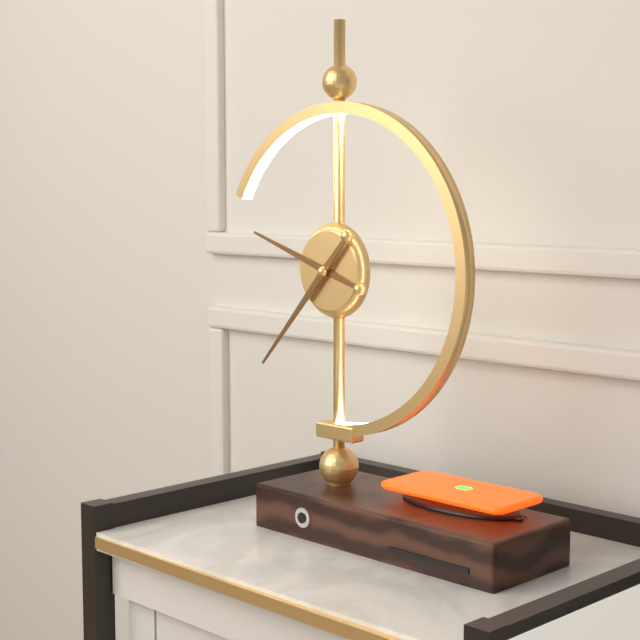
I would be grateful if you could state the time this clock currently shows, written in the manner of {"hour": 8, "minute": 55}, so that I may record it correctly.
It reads {"hour": 9, "minute": 37}
